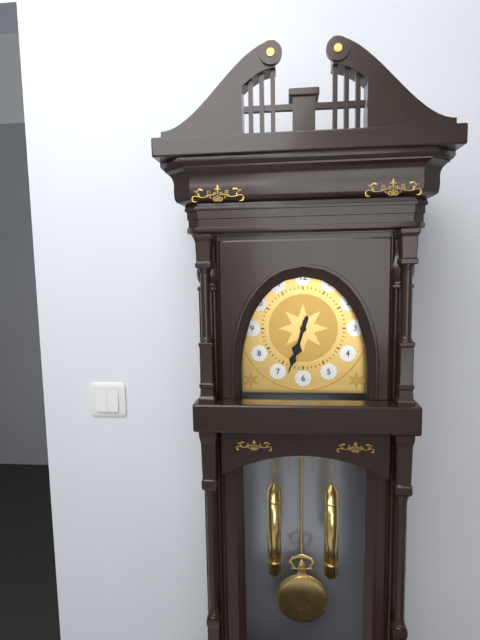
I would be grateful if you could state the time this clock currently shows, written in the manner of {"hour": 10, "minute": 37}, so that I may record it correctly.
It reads {"hour": 6, "minute": 33}
